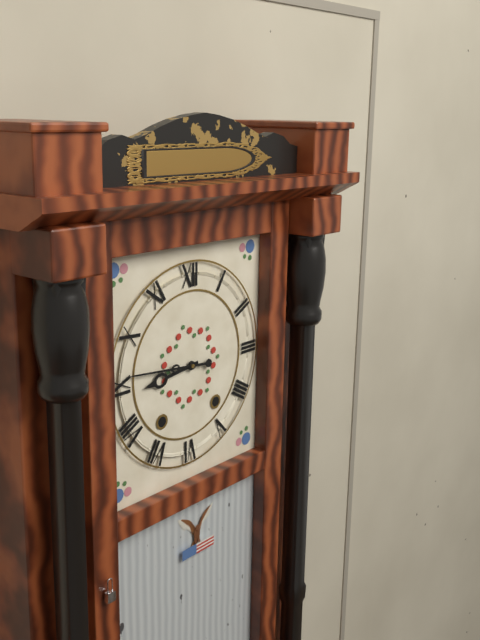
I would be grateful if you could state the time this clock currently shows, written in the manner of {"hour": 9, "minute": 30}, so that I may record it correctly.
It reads {"hour": 8, "minute": 46}
